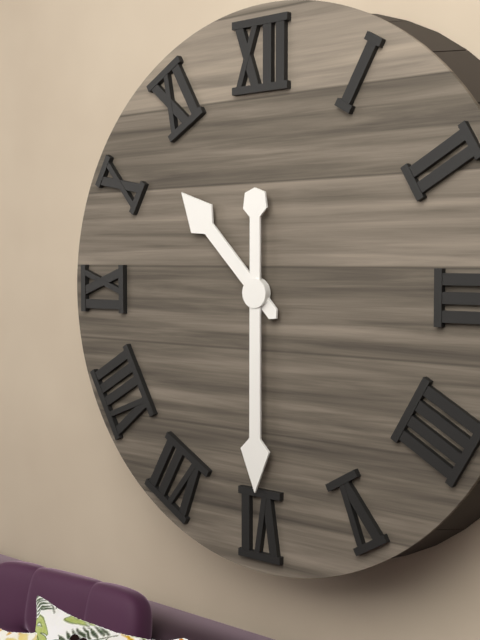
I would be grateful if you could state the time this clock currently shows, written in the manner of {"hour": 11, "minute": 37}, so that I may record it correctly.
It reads {"hour": 10, "minute": 30}
